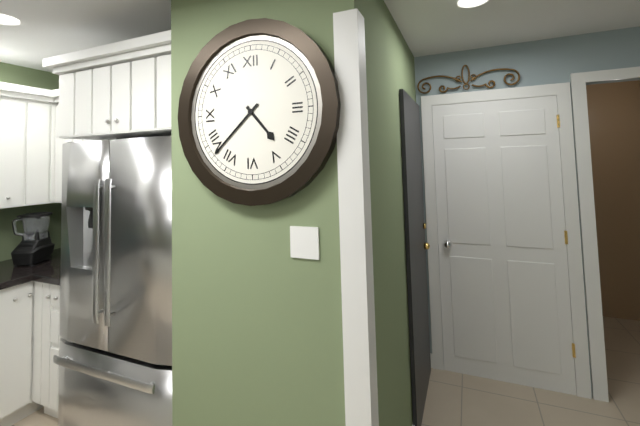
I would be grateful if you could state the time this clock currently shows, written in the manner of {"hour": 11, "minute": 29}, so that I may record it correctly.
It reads {"hour": 4, "minute": 38}
